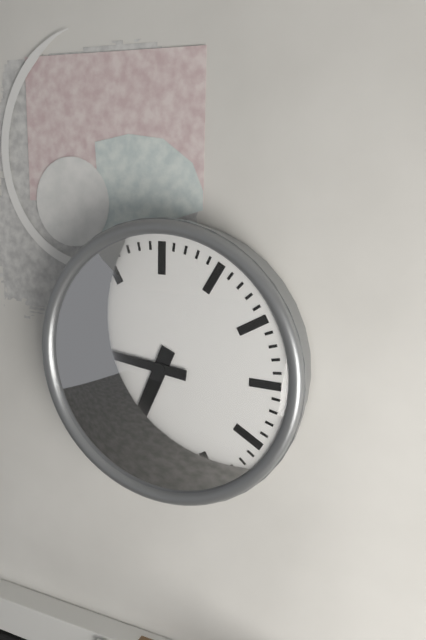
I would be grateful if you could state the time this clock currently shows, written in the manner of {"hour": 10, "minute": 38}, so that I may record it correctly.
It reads {"hour": 6, "minute": 46}
